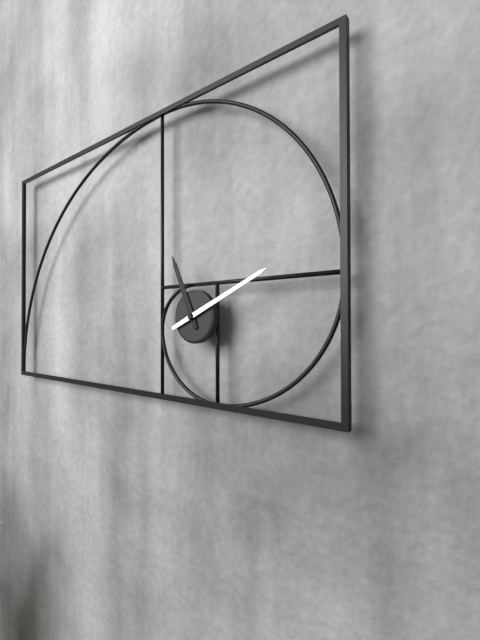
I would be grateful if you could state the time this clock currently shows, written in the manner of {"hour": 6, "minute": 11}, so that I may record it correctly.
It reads {"hour": 11, "minute": 11}
